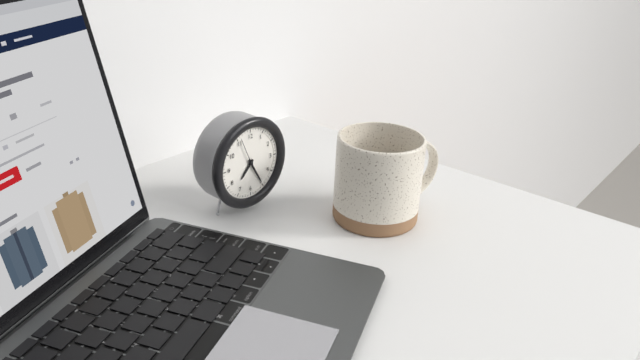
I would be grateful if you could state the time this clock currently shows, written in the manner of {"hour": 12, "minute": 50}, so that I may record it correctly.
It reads {"hour": 7, "minute": 25}
